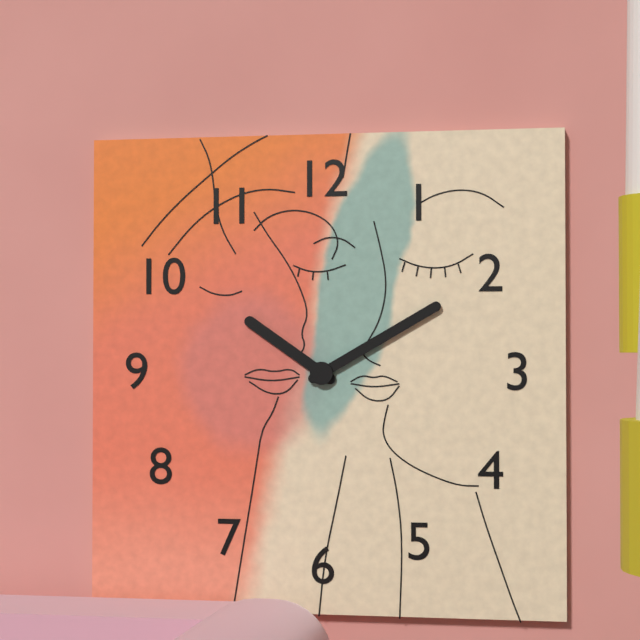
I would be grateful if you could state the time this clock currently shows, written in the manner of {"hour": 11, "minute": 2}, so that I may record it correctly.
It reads {"hour": 10, "minute": 10}
